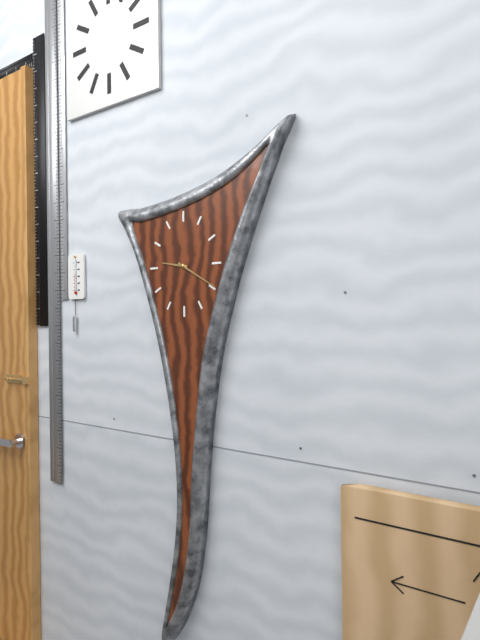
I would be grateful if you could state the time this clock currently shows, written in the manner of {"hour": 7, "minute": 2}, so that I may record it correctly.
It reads {"hour": 9, "minute": 20}
